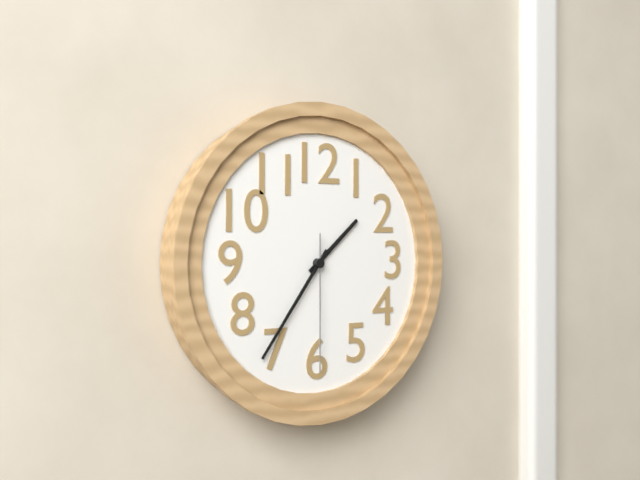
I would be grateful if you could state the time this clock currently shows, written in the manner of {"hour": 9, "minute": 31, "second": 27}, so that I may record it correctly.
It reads {"hour": 1, "minute": 36, "second": 30}
